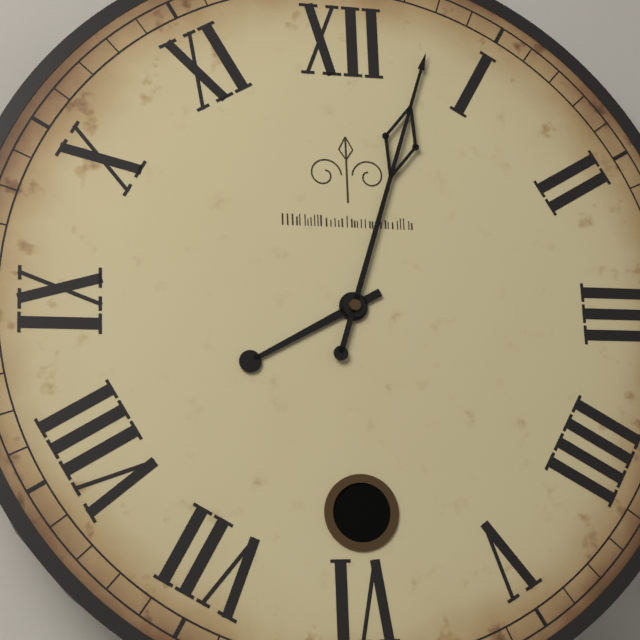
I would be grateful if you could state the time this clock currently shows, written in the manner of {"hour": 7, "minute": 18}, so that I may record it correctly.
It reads {"hour": 8, "minute": 3}
